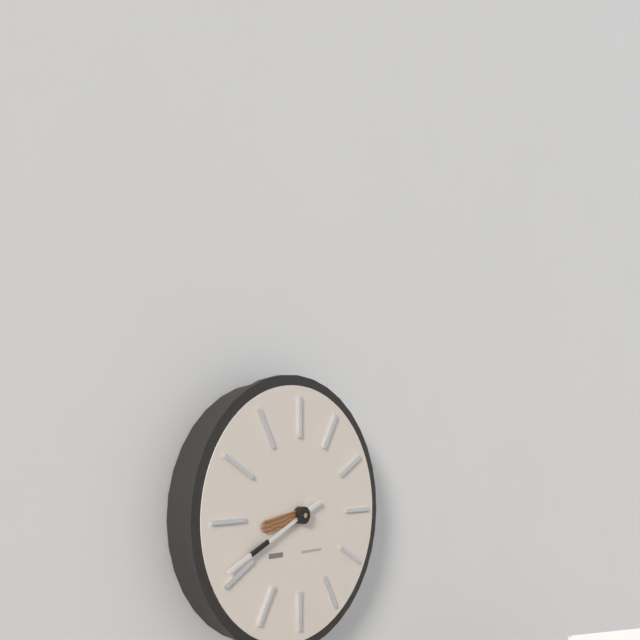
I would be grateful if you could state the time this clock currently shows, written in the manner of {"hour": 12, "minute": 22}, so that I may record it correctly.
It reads {"hour": 8, "minute": 41}
